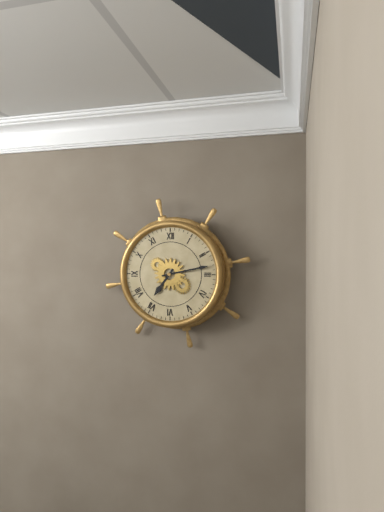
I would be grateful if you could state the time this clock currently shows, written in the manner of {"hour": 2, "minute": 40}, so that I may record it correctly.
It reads {"hour": 7, "minute": 13}
